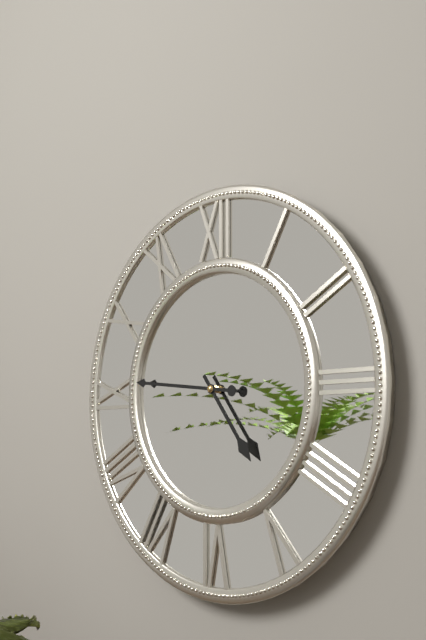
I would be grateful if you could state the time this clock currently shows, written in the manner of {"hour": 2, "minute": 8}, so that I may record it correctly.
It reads {"hour": 4, "minute": 46}
